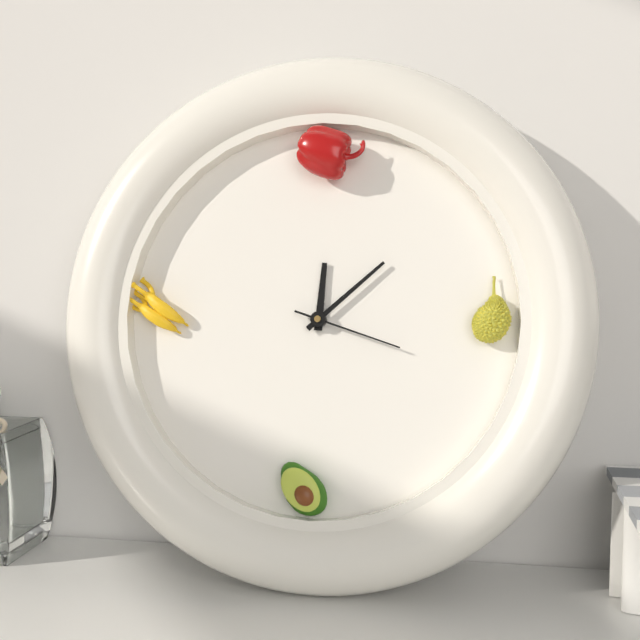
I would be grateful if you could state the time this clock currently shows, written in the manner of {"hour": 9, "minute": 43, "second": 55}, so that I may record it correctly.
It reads {"hour": 12, "minute": 8, "second": 18}
